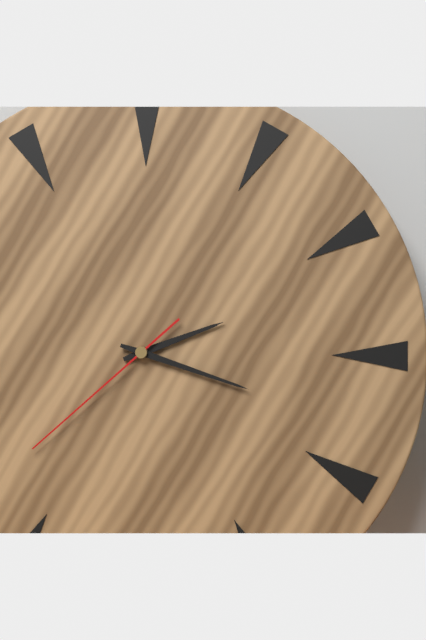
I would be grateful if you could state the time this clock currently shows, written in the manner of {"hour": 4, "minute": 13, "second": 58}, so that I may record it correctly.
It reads {"hour": 2, "minute": 18, "second": 38}
